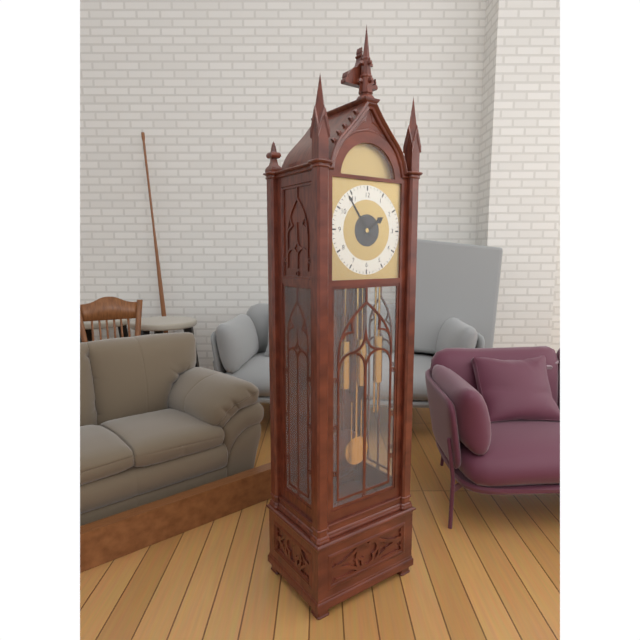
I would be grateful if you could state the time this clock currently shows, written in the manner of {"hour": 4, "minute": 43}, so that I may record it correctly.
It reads {"hour": 1, "minute": 54}
